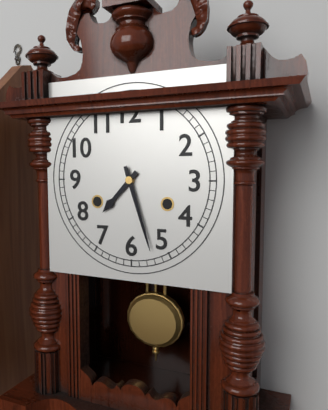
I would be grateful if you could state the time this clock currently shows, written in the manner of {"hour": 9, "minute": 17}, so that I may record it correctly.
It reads {"hour": 7, "minute": 27}
